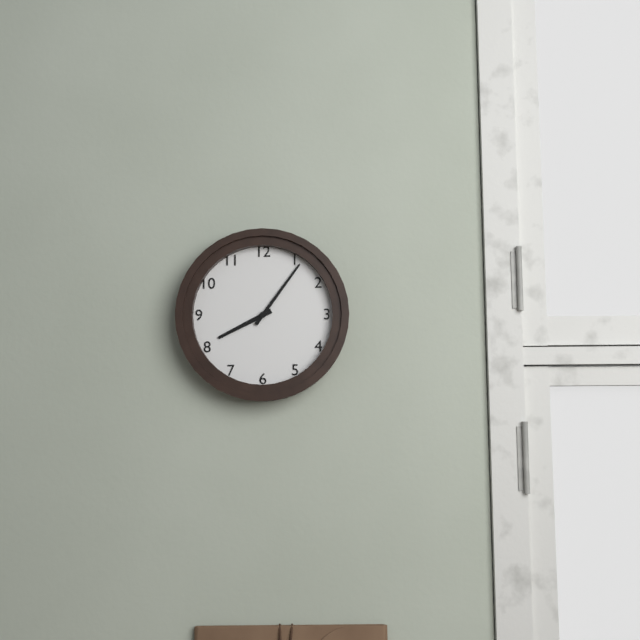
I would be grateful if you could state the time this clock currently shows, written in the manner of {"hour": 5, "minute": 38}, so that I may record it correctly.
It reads {"hour": 8, "minute": 6}
